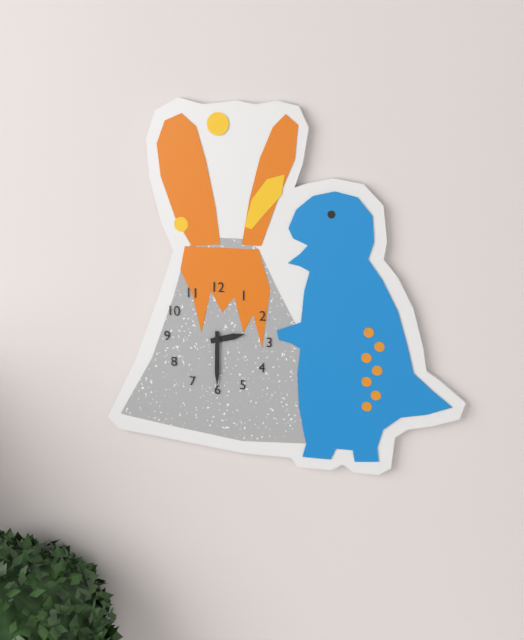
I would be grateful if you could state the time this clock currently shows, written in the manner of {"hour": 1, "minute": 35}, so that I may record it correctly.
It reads {"hour": 2, "minute": 30}
